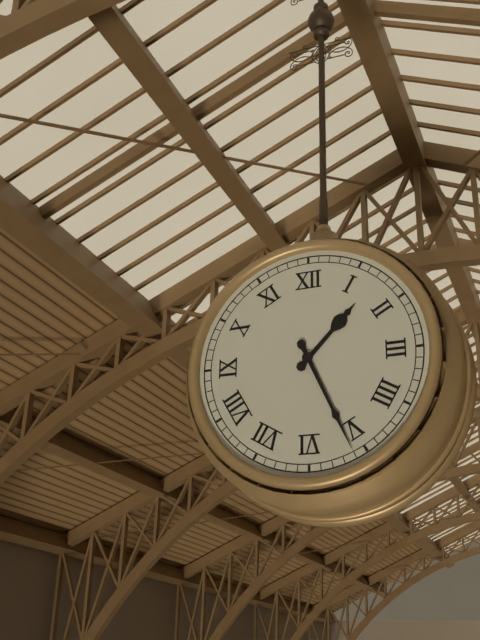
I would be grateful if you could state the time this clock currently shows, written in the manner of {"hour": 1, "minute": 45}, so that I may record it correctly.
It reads {"hour": 1, "minute": 26}
